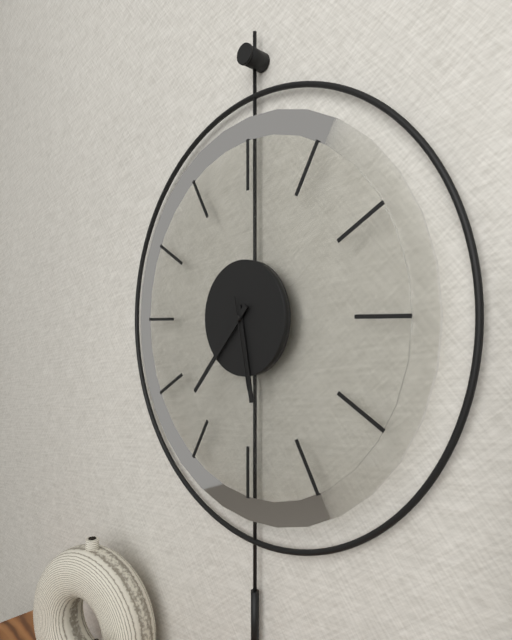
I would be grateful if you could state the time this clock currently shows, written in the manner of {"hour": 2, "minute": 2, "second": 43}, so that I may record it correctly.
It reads {"hour": 5, "minute": 37, "second": 28}
